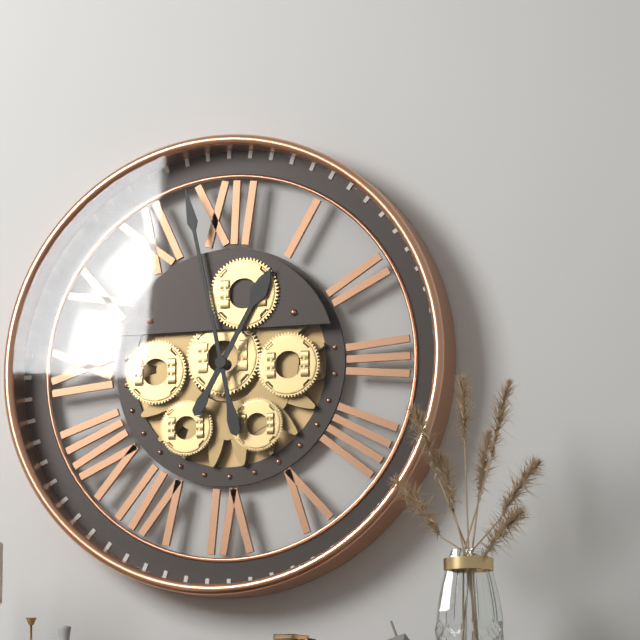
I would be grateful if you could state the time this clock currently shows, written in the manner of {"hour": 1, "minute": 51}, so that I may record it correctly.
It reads {"hour": 12, "minute": 58}
